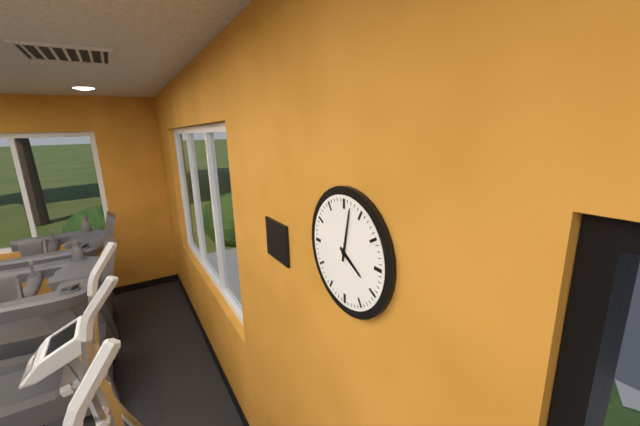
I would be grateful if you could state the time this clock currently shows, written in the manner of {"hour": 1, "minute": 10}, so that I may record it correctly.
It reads {"hour": 4, "minute": 2}
